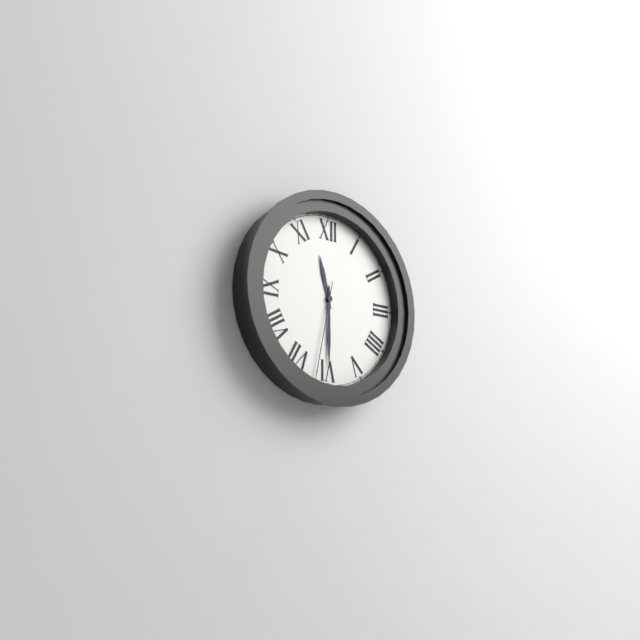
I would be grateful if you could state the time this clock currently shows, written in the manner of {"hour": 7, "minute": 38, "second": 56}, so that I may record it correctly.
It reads {"hour": 11, "minute": 30, "second": 32}
